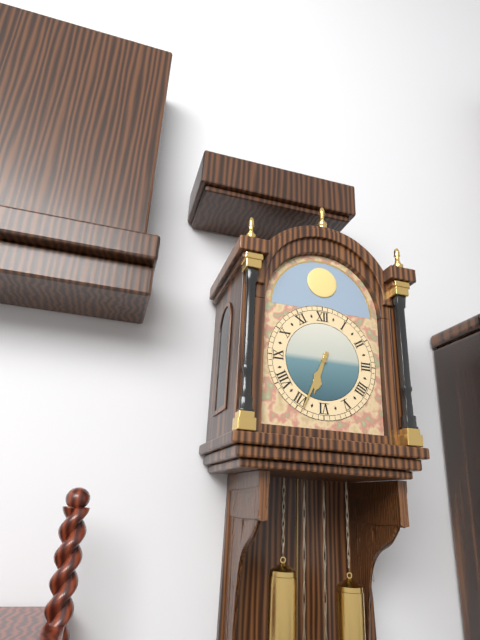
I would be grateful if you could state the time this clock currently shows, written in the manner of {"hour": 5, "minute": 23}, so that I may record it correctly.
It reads {"hour": 6, "minute": 34}
